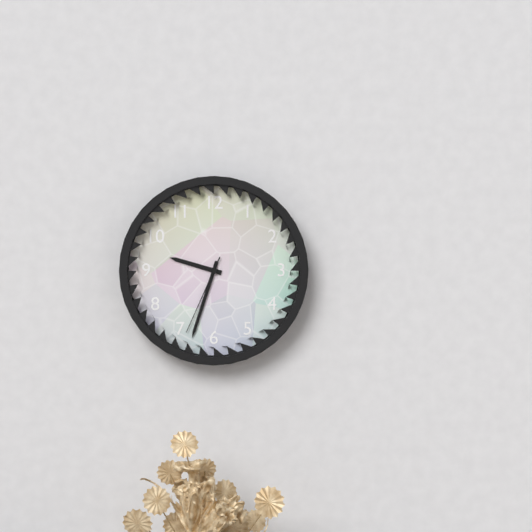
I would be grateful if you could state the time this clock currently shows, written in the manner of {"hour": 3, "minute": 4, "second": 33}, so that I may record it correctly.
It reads {"hour": 9, "minute": 33, "second": 34}
